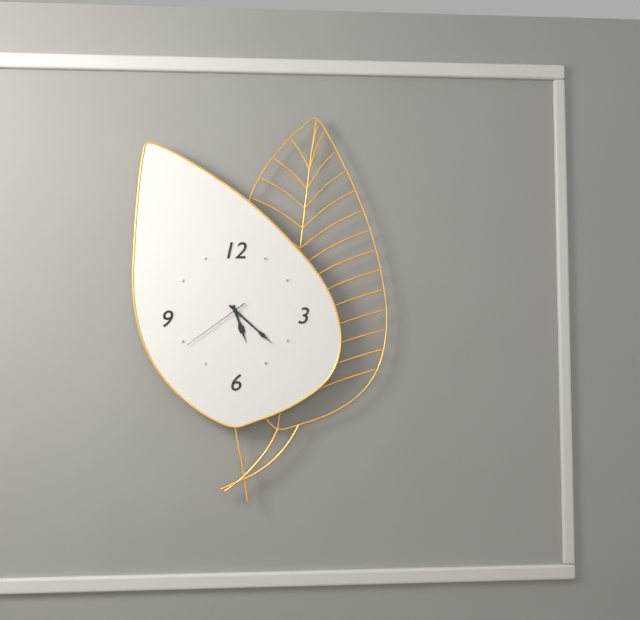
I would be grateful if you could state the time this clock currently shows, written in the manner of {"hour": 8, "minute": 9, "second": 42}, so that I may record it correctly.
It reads {"hour": 5, "minute": 22, "second": 39}
